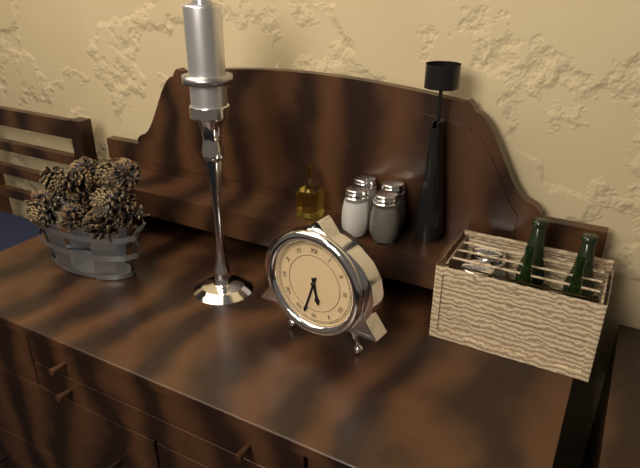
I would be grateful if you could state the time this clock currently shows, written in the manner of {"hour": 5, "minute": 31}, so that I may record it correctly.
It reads {"hour": 5, "minute": 33}
